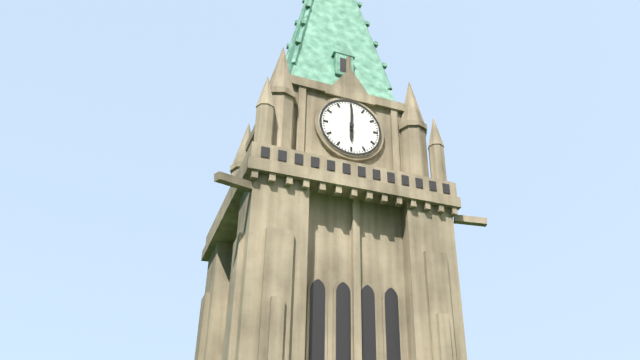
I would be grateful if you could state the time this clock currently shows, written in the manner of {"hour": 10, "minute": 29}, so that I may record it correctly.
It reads {"hour": 6, "minute": 0}
